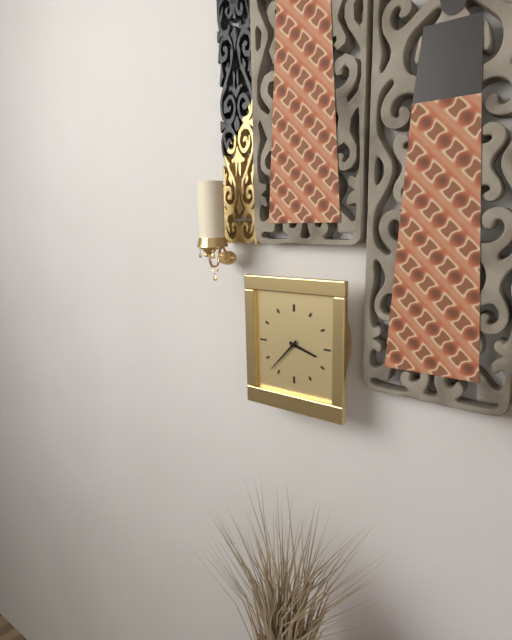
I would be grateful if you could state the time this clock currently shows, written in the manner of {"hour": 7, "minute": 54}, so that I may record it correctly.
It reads {"hour": 3, "minute": 37}
